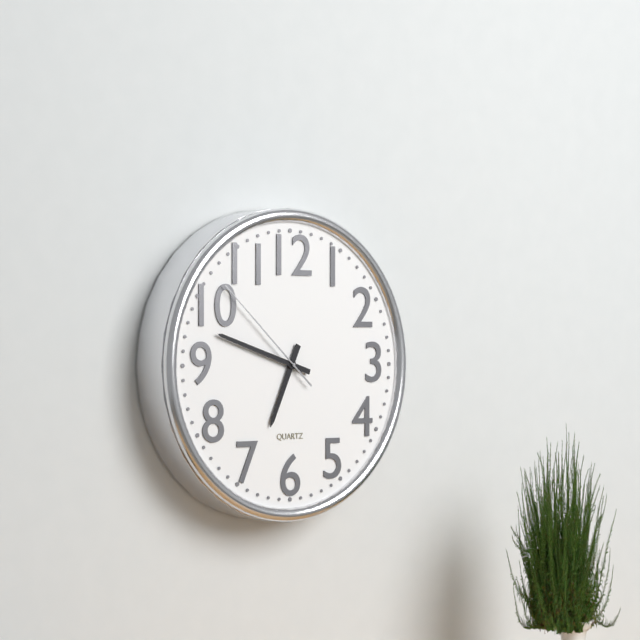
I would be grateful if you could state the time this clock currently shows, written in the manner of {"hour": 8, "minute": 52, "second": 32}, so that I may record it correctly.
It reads {"hour": 6, "minute": 48, "second": 52}
